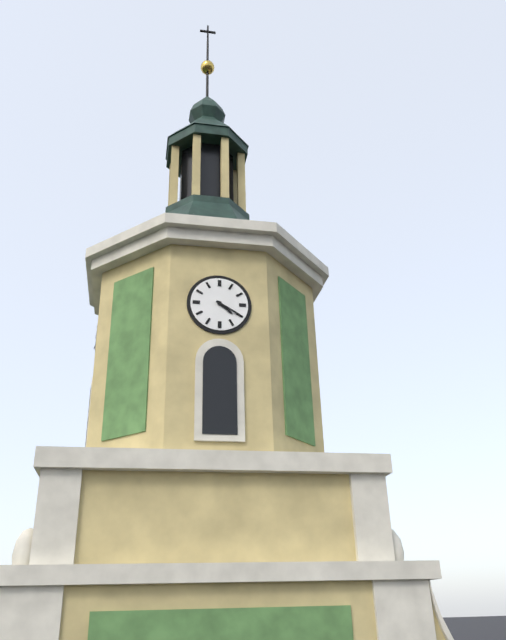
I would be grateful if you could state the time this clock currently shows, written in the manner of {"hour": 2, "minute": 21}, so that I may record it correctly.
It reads {"hour": 4, "minute": 20}
